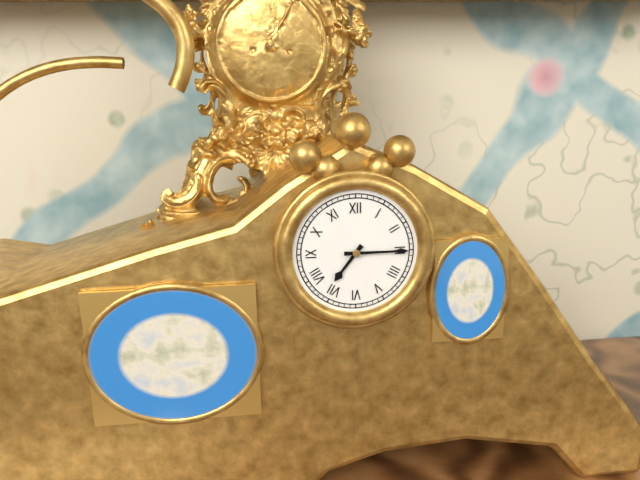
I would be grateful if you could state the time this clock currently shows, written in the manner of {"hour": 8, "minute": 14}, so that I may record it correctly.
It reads {"hour": 7, "minute": 15}
